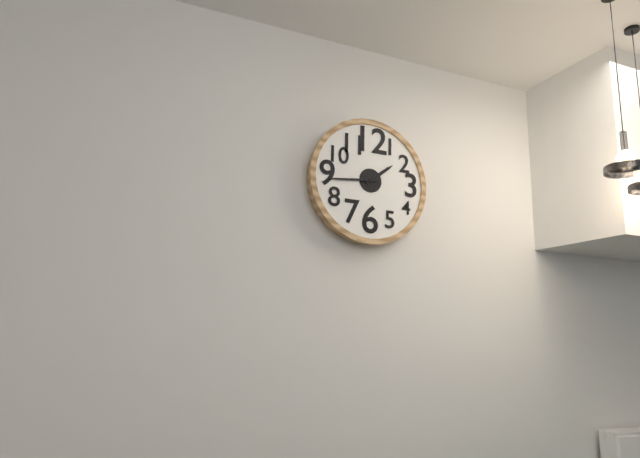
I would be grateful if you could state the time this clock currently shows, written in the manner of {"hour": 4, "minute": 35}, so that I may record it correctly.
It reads {"hour": 1, "minute": 44}
